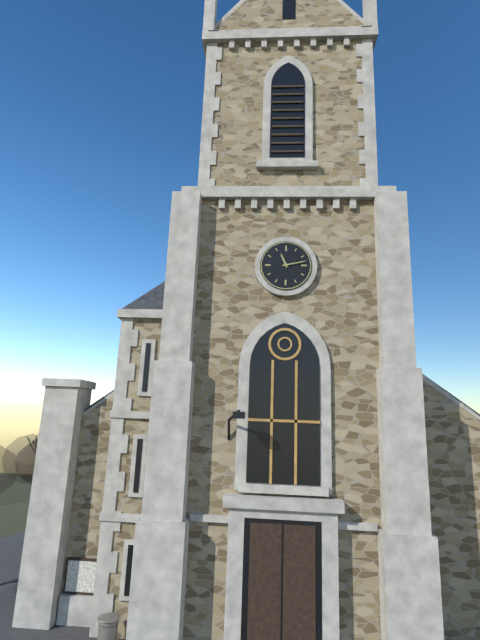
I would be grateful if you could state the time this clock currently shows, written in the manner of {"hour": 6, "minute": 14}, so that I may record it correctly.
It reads {"hour": 11, "minute": 13}
